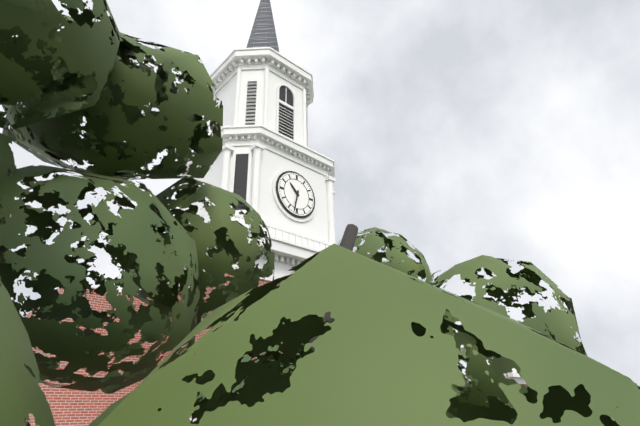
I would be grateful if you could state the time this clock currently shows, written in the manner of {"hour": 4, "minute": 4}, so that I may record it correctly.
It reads {"hour": 10, "minute": 32}
